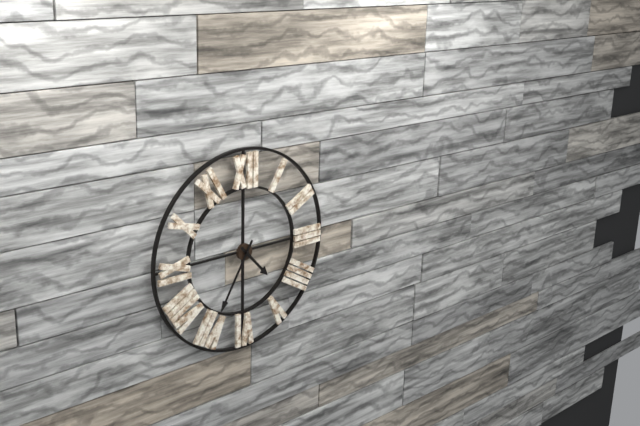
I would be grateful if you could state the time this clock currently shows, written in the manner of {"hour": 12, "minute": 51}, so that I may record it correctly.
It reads {"hour": 4, "minute": 35}
